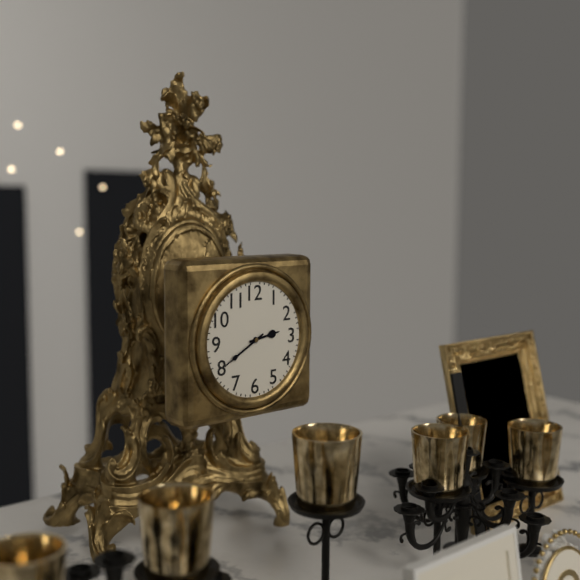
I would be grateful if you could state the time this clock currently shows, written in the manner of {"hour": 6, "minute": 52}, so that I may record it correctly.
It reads {"hour": 2, "minute": 40}
